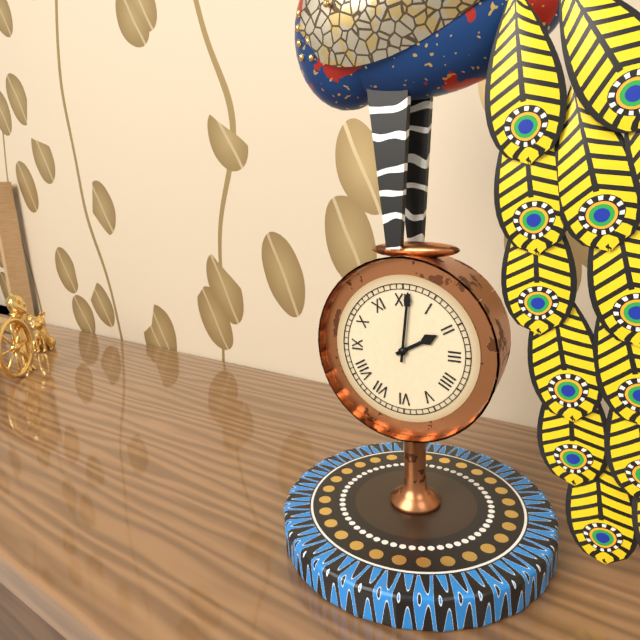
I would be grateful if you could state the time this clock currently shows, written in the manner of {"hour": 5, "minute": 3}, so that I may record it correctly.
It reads {"hour": 2, "minute": 1}
